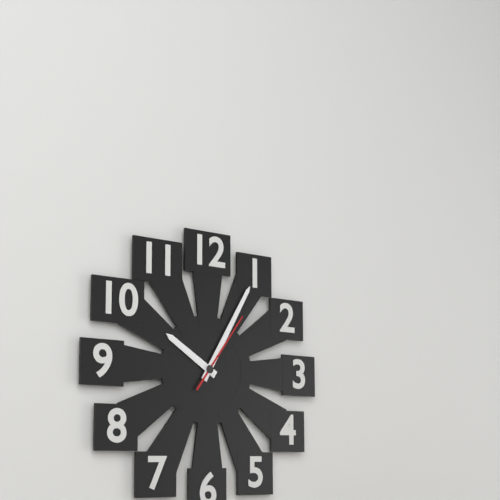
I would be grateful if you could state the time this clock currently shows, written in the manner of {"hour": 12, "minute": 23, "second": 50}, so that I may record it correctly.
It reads {"hour": 10, "minute": 5, "second": 6}
